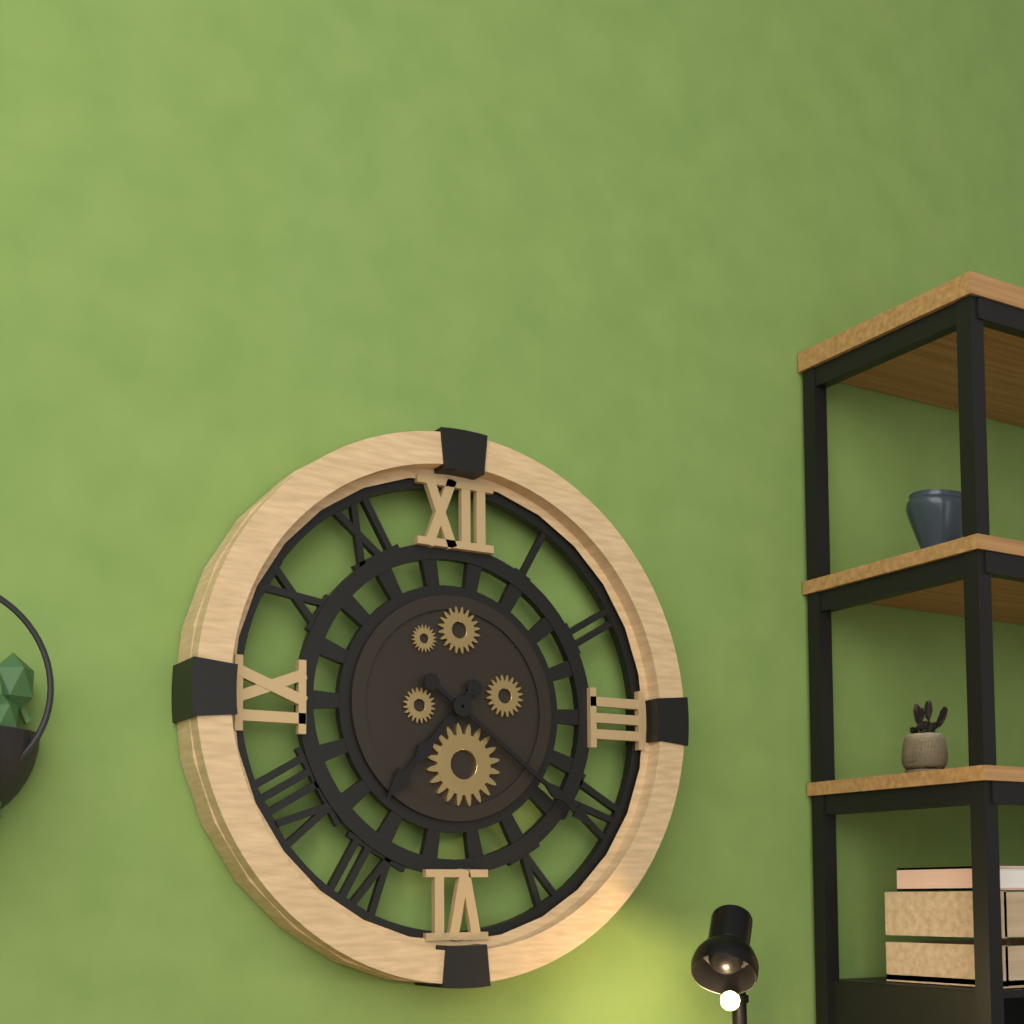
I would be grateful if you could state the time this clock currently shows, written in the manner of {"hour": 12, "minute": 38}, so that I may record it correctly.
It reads {"hour": 7, "minute": 21}
